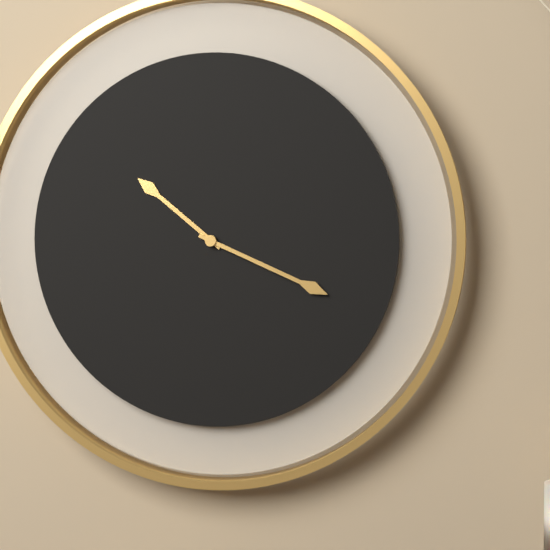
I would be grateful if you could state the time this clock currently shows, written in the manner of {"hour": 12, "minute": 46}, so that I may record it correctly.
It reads {"hour": 10, "minute": 19}
